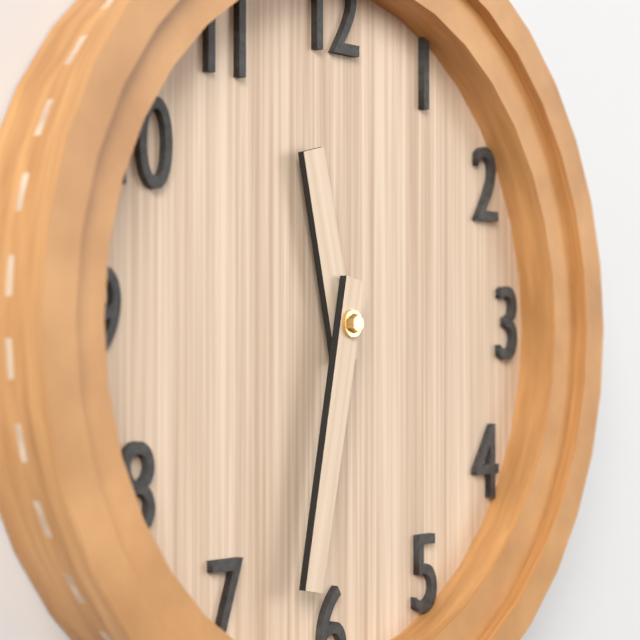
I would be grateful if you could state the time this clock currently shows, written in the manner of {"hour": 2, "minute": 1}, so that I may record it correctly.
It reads {"hour": 11, "minute": 32}
